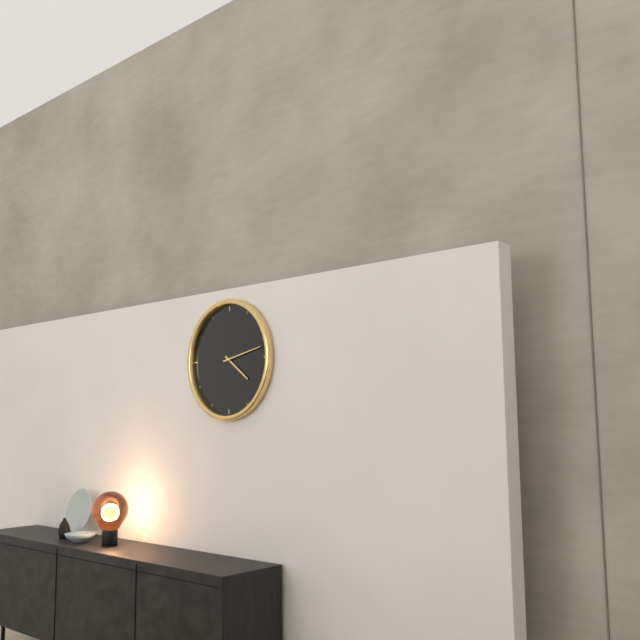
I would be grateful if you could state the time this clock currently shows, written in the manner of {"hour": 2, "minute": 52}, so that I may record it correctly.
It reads {"hour": 4, "minute": 13}
